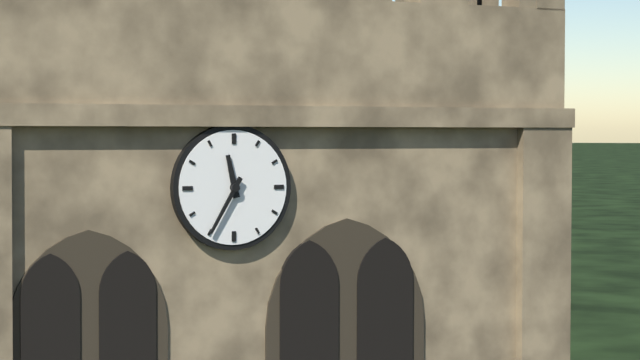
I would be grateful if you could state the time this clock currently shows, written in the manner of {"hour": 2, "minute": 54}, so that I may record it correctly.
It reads {"hour": 11, "minute": 35}
